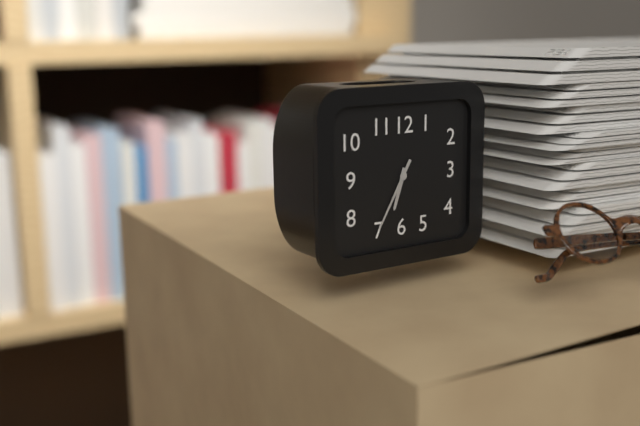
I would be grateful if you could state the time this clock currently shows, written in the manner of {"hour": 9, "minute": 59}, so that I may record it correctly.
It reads {"hour": 6, "minute": 35}
